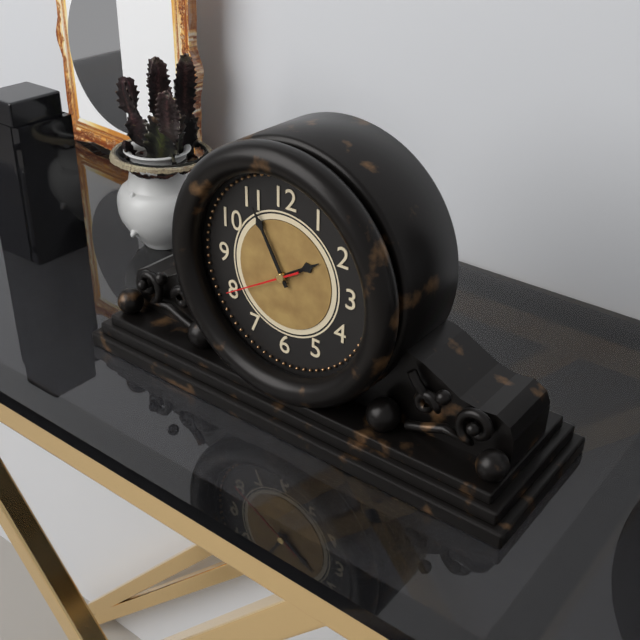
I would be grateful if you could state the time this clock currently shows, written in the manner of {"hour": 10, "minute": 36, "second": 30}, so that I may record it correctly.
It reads {"hour": 1, "minute": 55, "second": 40}
